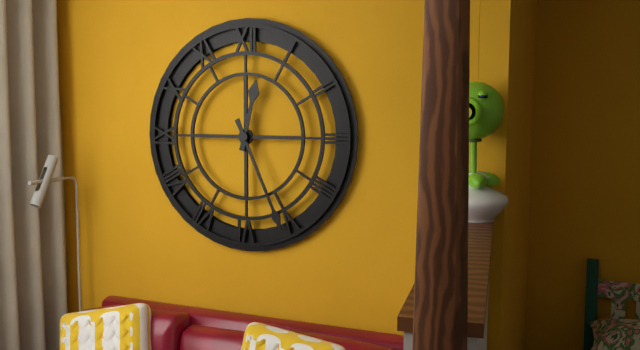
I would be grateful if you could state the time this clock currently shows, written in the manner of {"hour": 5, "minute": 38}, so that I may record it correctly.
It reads {"hour": 12, "minute": 26}
